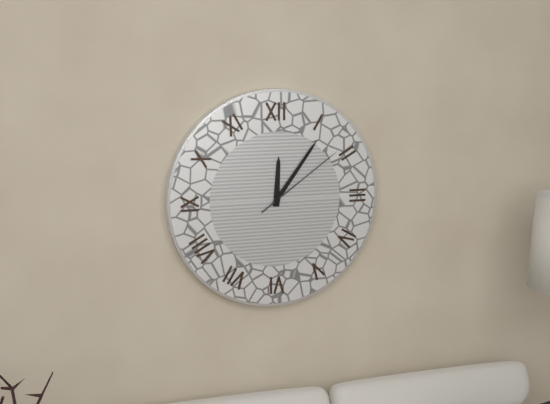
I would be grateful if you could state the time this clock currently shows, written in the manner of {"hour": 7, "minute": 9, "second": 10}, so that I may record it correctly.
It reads {"hour": 12, "minute": 6, "second": 9}
